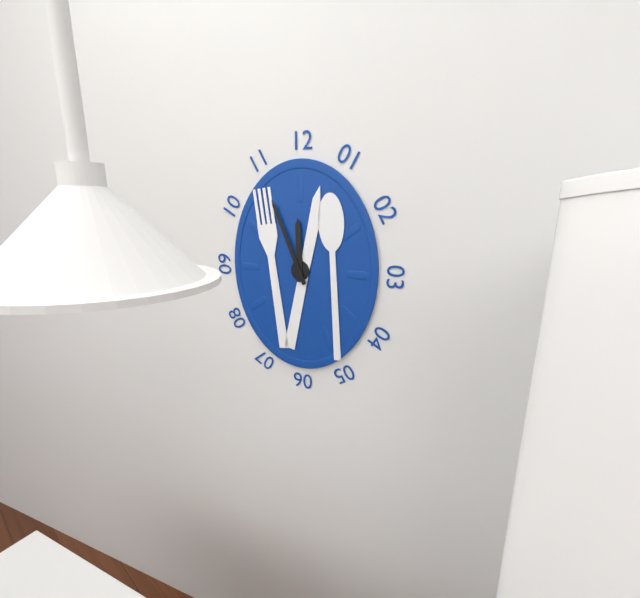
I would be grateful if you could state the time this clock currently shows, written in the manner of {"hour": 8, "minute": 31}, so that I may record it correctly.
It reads {"hour": 11, "minute": 56}
